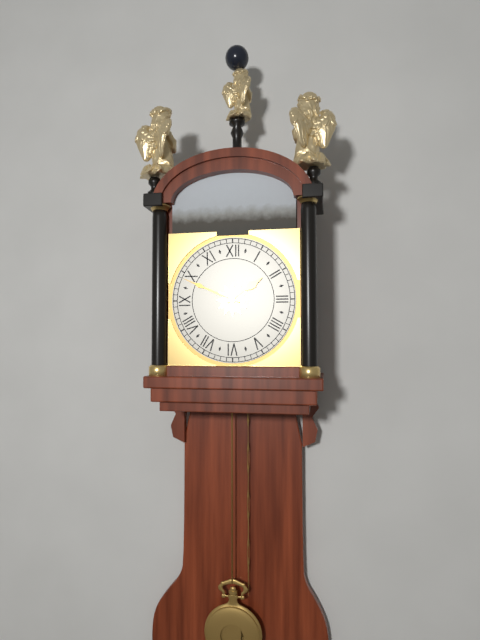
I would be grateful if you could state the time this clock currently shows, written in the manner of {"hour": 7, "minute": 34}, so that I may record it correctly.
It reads {"hour": 1, "minute": 49}
